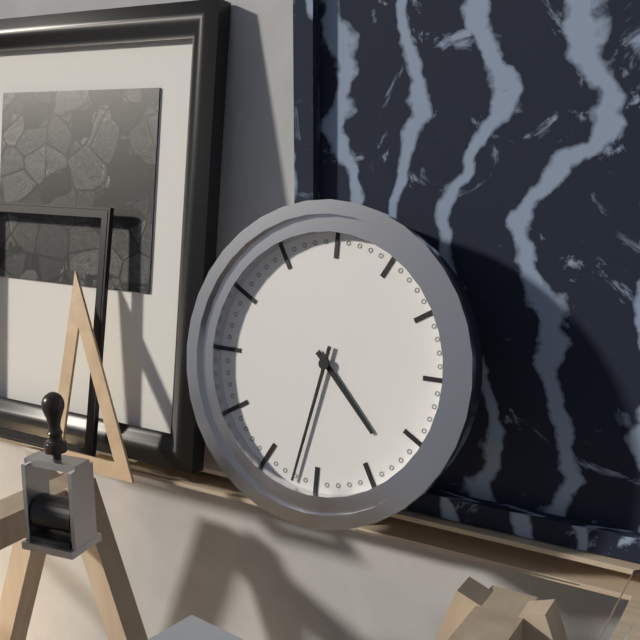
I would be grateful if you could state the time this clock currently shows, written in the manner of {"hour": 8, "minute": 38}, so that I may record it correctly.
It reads {"hour": 4, "minute": 32}
